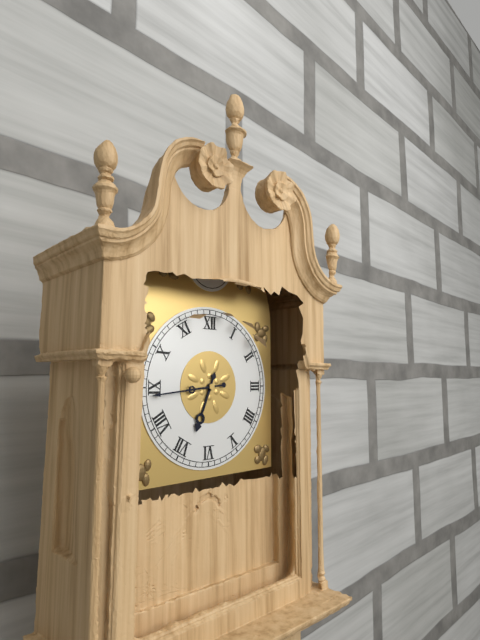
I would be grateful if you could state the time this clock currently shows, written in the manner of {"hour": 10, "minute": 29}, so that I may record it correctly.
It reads {"hour": 6, "minute": 44}
